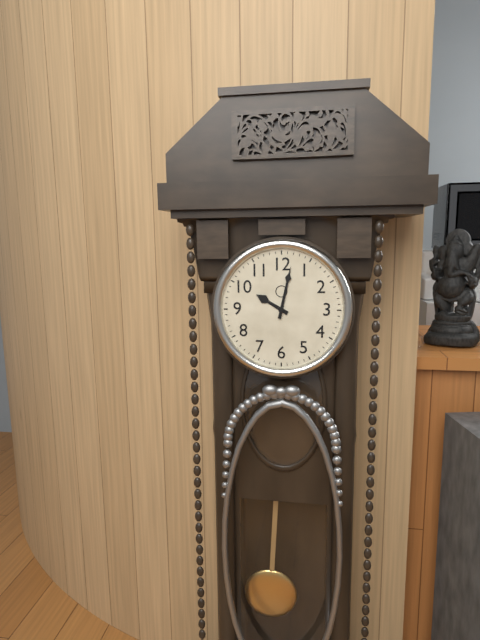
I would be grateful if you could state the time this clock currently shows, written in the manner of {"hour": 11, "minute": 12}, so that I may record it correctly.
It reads {"hour": 10, "minute": 2}
